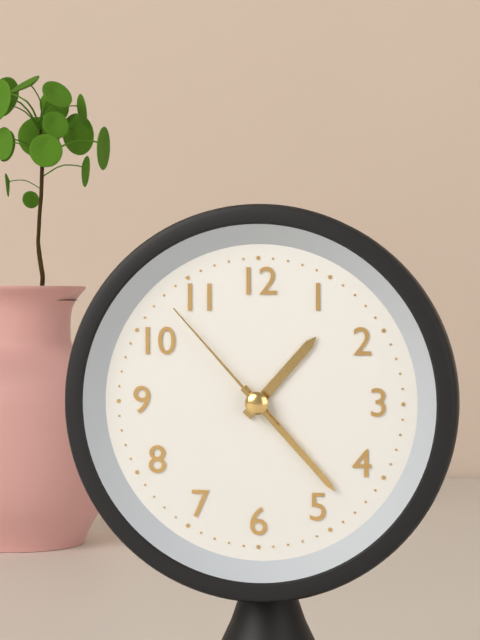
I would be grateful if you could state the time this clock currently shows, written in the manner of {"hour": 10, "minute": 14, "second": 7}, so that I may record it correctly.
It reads {"hour": 1, "minute": 23, "second": 53}
